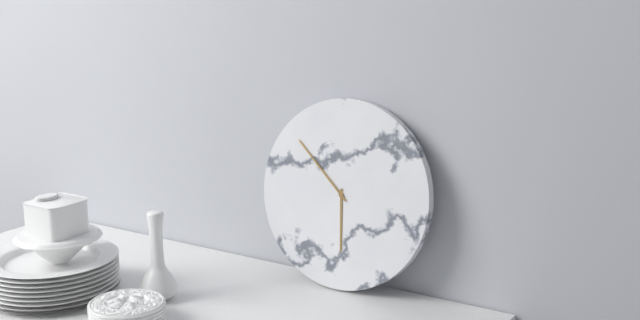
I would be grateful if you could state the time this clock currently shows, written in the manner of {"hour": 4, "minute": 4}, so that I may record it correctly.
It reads {"hour": 5, "minute": 52}
